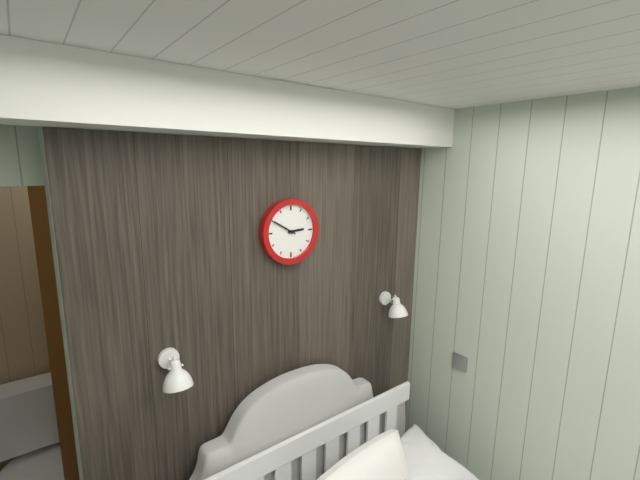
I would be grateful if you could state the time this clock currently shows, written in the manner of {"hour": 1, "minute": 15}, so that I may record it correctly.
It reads {"hour": 2, "minute": 50}
